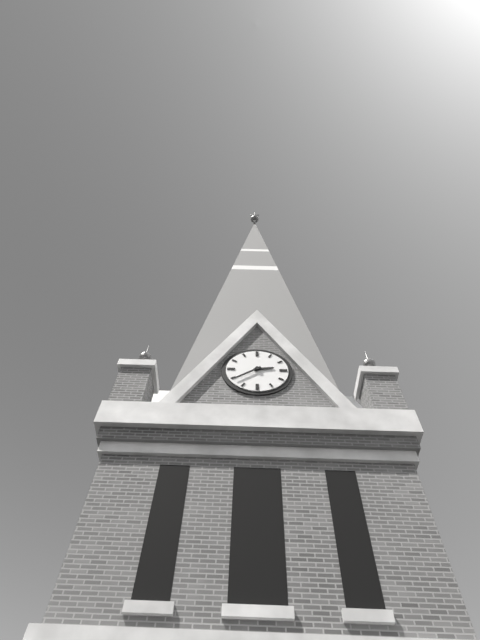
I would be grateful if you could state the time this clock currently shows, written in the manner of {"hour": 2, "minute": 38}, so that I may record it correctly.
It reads {"hour": 2, "minute": 39}
